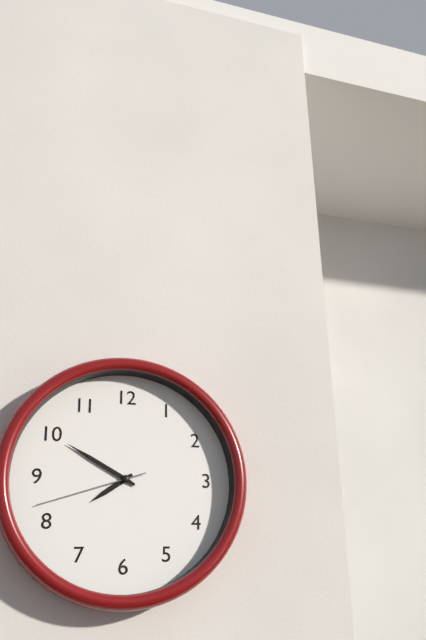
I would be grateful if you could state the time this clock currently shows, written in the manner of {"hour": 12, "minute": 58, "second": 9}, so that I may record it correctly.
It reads {"hour": 7, "minute": 50, "second": 42}
